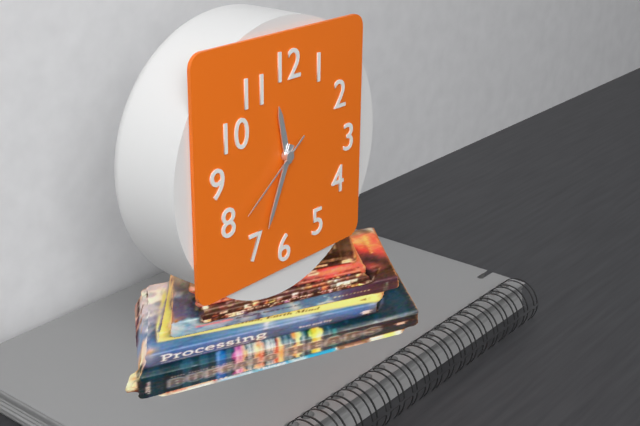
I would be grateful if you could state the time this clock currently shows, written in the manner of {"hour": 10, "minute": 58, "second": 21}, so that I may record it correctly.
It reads {"hour": 11, "minute": 34, "second": 39}
